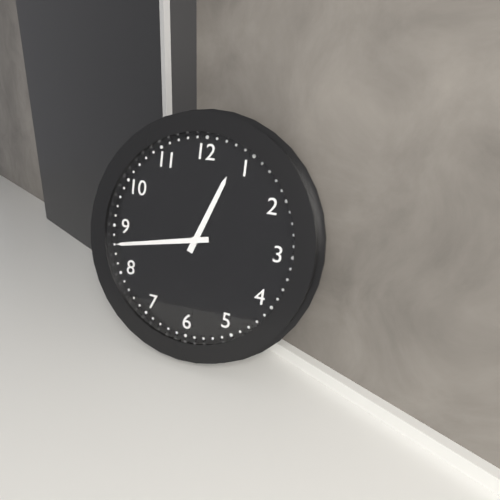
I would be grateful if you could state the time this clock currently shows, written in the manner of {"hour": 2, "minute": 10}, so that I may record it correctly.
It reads {"hour": 12, "minute": 43}
